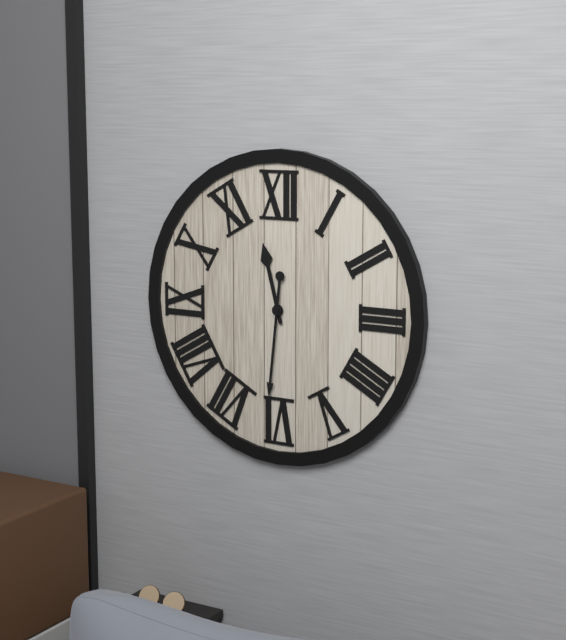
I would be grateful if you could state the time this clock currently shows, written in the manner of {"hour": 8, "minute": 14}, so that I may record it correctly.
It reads {"hour": 11, "minute": 31}
